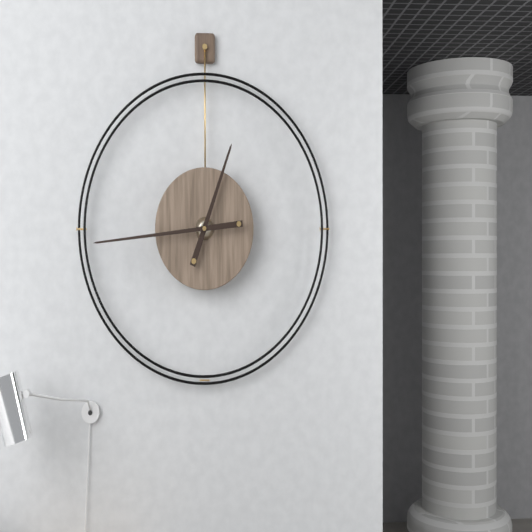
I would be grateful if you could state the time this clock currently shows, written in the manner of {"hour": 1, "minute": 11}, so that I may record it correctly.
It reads {"hour": 12, "minute": 44}
